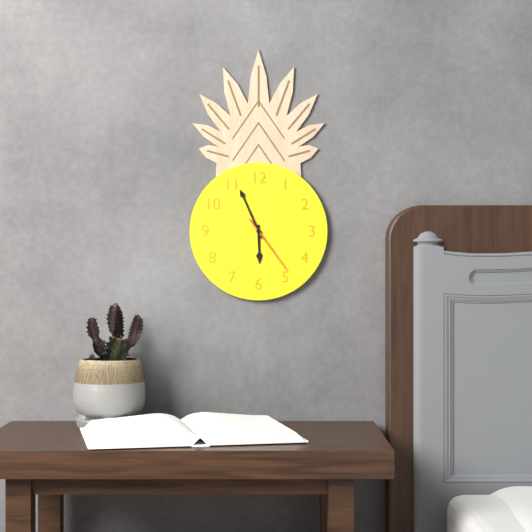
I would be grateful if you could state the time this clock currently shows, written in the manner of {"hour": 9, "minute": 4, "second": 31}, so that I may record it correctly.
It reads {"hour": 5, "minute": 56, "second": 24}
